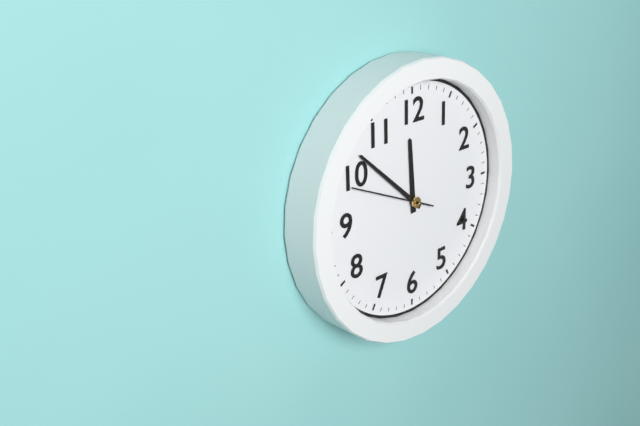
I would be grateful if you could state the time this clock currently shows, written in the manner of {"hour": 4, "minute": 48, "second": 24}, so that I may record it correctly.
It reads {"hour": 11, "minute": 52, "second": 49}
